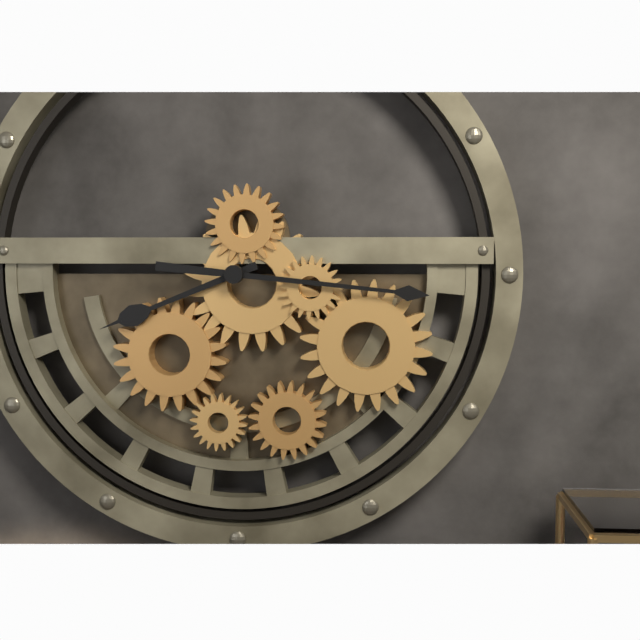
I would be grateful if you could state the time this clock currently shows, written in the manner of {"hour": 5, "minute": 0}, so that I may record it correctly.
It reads {"hour": 8, "minute": 16}
